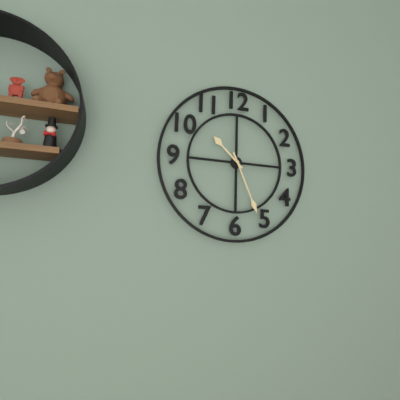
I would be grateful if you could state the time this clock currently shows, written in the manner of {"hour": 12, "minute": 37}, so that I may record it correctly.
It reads {"hour": 10, "minute": 26}
